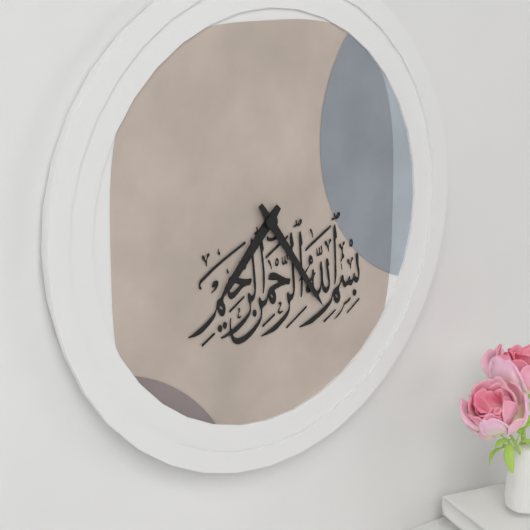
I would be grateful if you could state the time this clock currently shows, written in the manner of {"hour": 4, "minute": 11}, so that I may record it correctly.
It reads {"hour": 7, "minute": 24}
